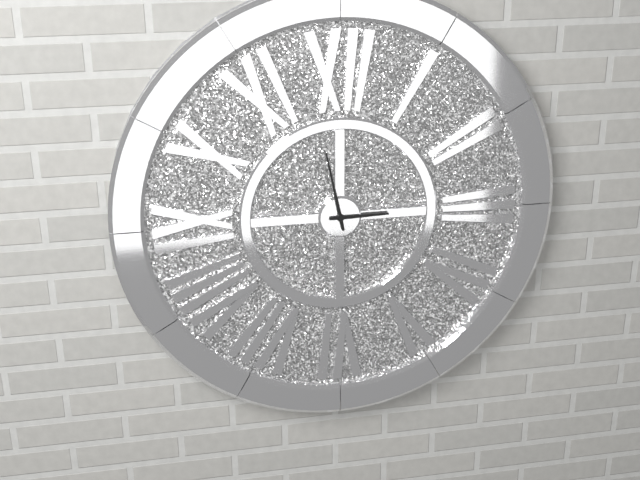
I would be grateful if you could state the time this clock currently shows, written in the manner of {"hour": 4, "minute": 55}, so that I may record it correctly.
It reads {"hour": 2, "minute": 58}
